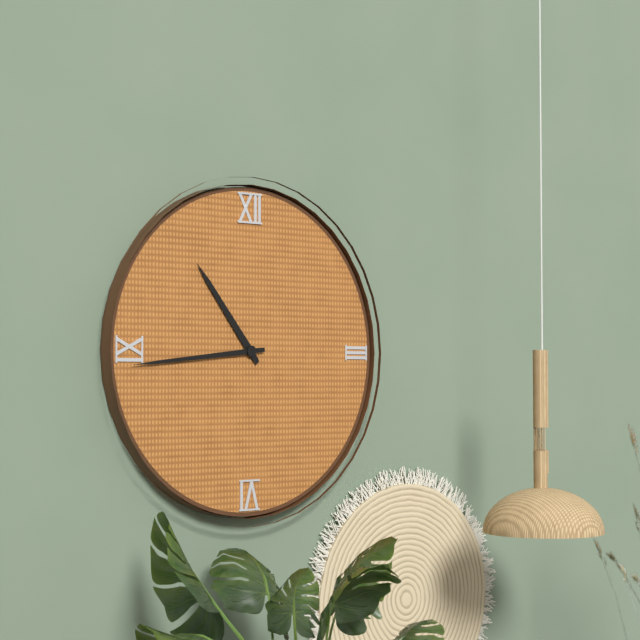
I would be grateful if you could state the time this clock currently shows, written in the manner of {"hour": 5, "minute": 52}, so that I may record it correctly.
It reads {"hour": 10, "minute": 44}
